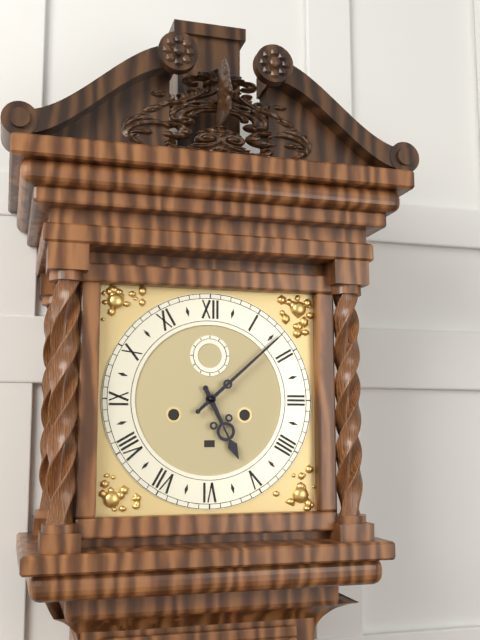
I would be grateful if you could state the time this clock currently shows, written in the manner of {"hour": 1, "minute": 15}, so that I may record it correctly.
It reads {"hour": 5, "minute": 8}
